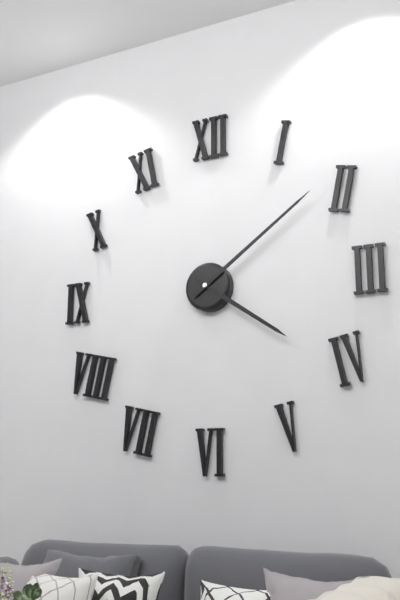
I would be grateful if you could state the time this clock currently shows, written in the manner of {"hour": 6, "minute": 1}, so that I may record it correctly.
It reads {"hour": 4, "minute": 9}
